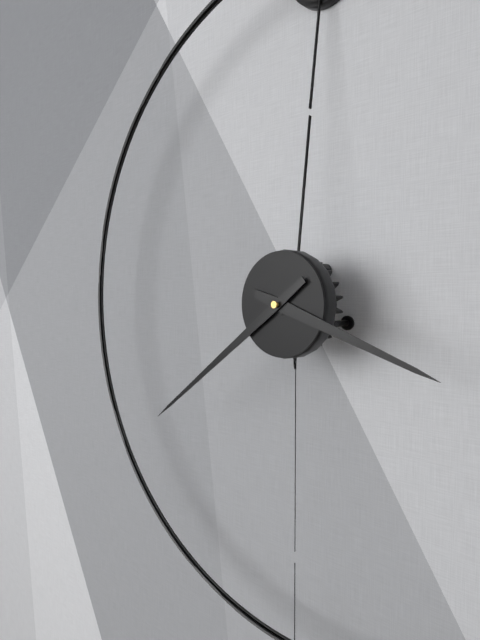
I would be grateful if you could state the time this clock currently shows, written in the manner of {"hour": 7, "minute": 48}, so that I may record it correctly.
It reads {"hour": 3, "minute": 39}
